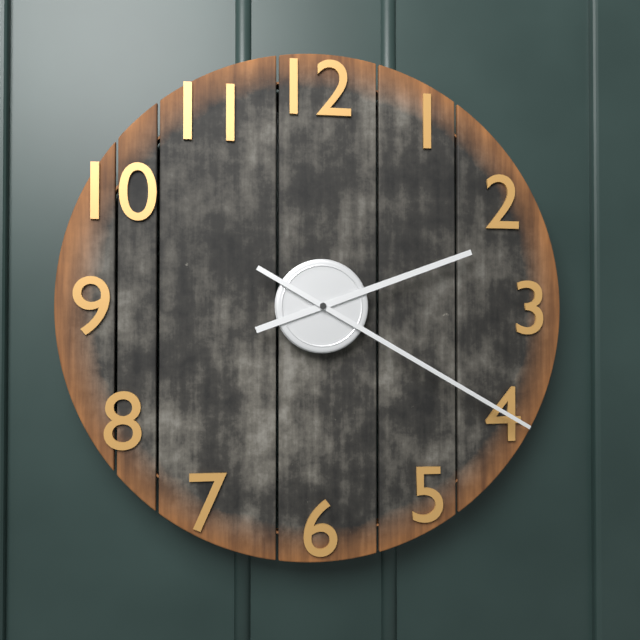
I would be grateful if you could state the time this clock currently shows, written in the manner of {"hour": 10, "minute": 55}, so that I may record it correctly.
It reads {"hour": 2, "minute": 20}
